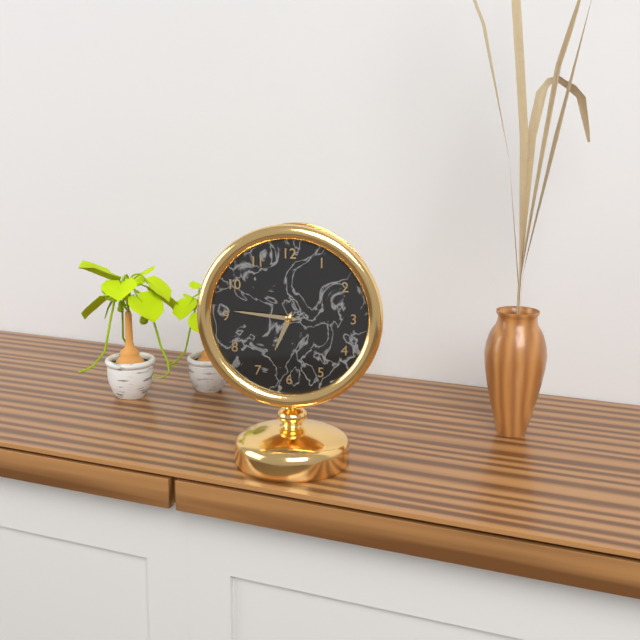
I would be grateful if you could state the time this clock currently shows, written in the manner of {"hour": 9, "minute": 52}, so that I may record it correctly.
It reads {"hour": 6, "minute": 46}
